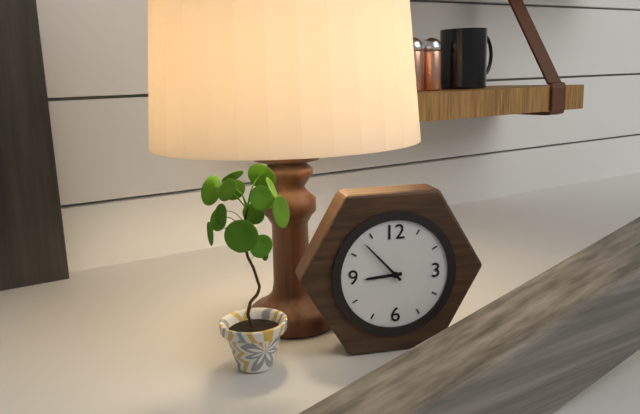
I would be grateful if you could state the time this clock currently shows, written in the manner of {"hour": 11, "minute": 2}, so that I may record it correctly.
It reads {"hour": 8, "minute": 53}
